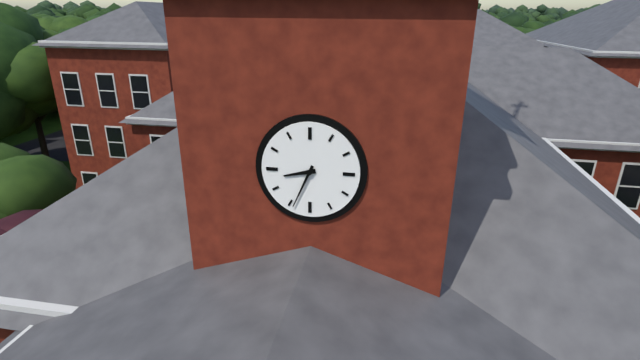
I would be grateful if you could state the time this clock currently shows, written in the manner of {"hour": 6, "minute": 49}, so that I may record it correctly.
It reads {"hour": 8, "minute": 34}
